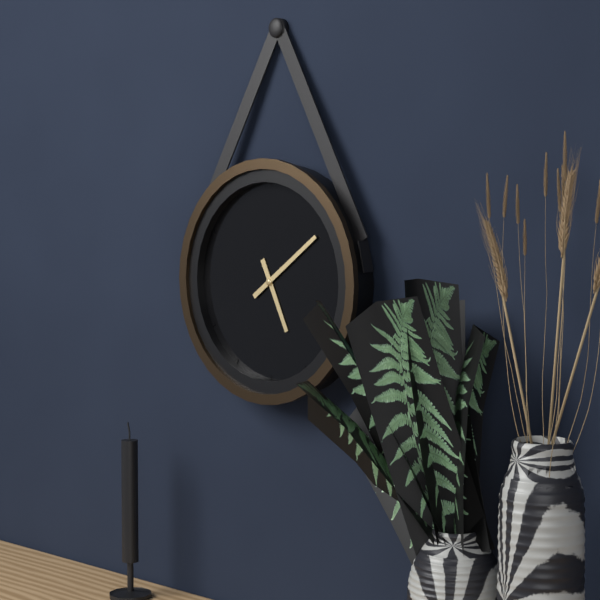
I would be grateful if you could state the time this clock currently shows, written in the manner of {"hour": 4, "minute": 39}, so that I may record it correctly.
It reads {"hour": 5, "minute": 9}
